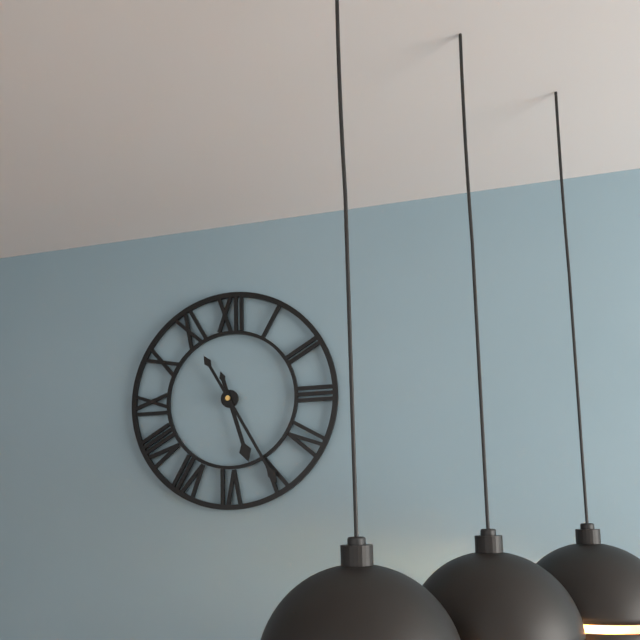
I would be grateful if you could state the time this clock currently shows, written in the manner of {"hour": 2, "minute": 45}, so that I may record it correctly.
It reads {"hour": 5, "minute": 25}
